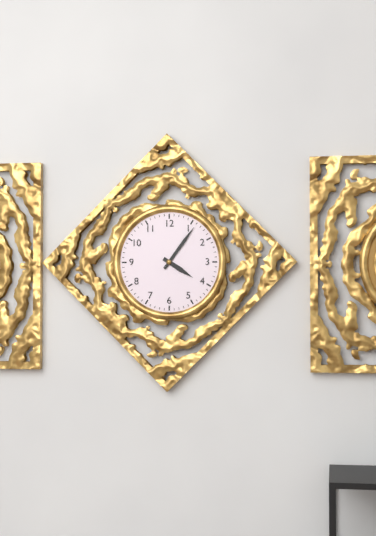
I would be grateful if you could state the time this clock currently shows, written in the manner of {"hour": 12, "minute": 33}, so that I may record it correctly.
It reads {"hour": 4, "minute": 6}
